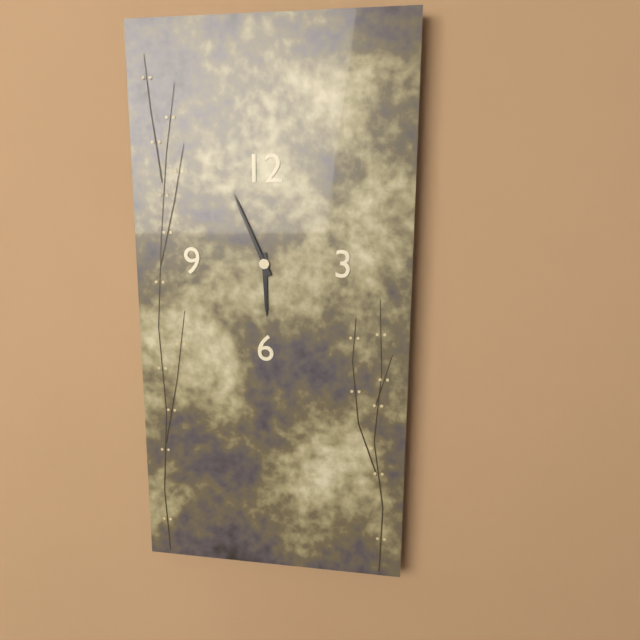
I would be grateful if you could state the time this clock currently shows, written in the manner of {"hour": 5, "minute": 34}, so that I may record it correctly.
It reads {"hour": 5, "minute": 56}
